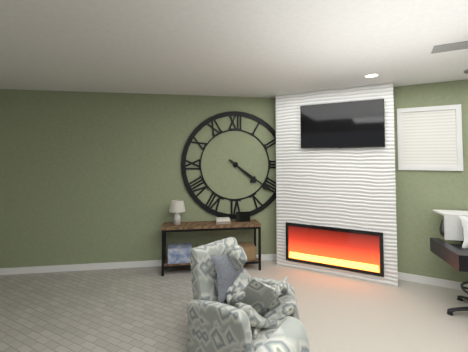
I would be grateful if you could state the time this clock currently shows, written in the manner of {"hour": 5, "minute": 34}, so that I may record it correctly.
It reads {"hour": 4, "minute": 21}
